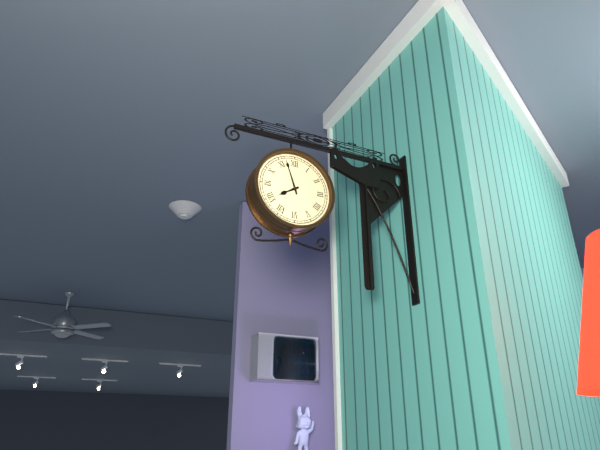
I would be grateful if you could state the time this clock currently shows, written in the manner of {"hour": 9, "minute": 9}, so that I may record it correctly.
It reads {"hour": 7, "minute": 57}
